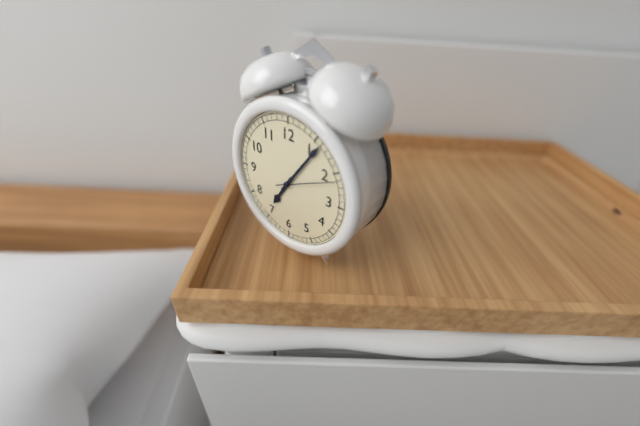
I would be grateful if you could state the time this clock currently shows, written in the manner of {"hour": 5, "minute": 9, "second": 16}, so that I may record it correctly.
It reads {"hour": 7, "minute": 6, "second": 11}
